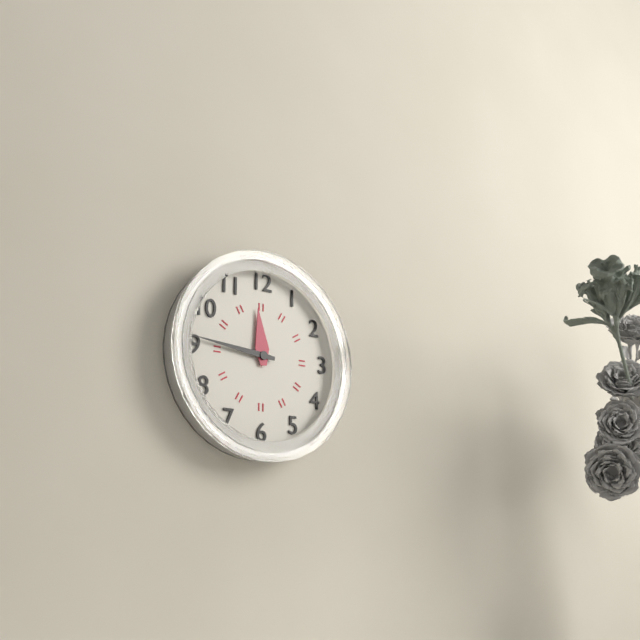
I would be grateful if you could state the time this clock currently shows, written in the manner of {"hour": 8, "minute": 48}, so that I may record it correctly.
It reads {"hour": 11, "minute": 46}
